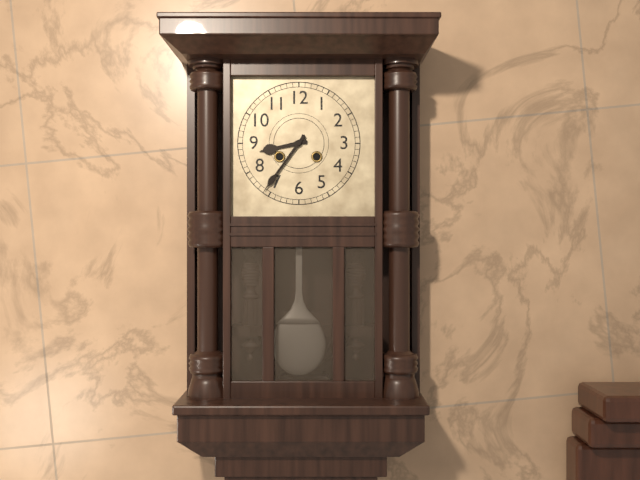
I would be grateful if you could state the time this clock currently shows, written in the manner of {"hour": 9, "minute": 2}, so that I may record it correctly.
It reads {"hour": 8, "minute": 36}
